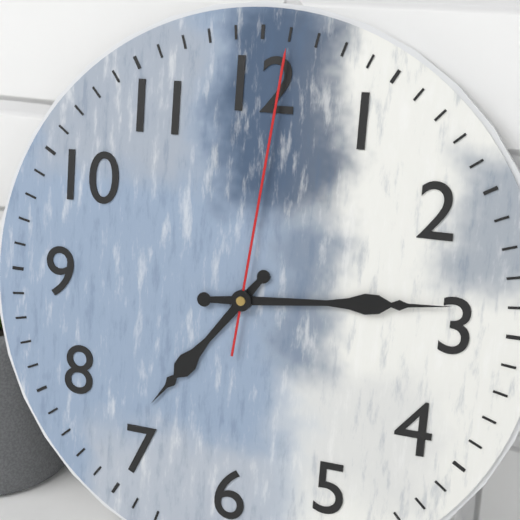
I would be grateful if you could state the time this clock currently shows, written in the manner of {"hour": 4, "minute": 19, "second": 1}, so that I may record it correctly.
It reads {"hour": 7, "minute": 14, "second": 1}
